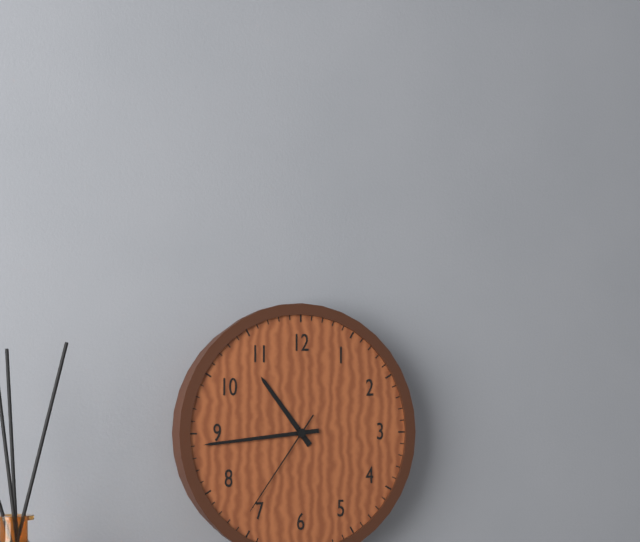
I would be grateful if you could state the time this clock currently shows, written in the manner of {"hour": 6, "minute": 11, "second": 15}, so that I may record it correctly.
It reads {"hour": 10, "minute": 44, "second": 36}
